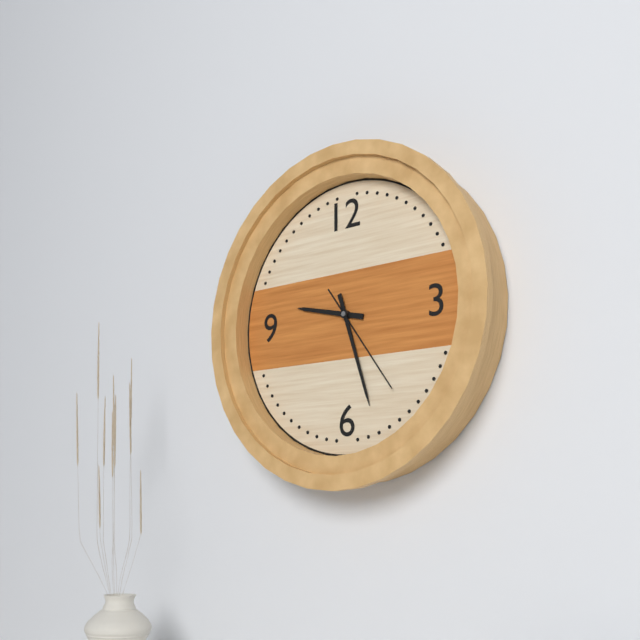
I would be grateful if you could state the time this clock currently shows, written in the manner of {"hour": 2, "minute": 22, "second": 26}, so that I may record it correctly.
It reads {"hour": 9, "minute": 27, "second": 24}
